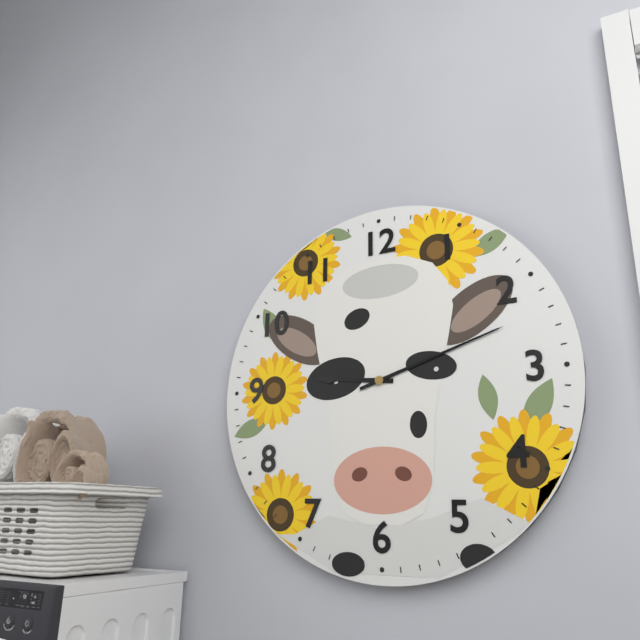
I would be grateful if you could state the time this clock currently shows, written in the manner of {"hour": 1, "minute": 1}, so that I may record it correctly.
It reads {"hour": 9, "minute": 12}
